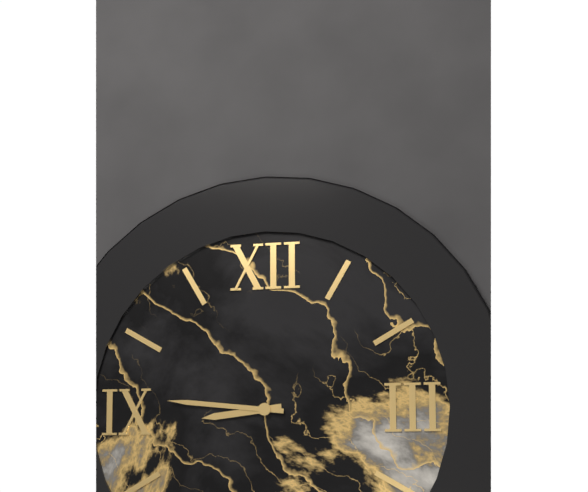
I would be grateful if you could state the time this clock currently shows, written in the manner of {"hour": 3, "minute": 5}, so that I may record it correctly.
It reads {"hour": 8, "minute": 46}
